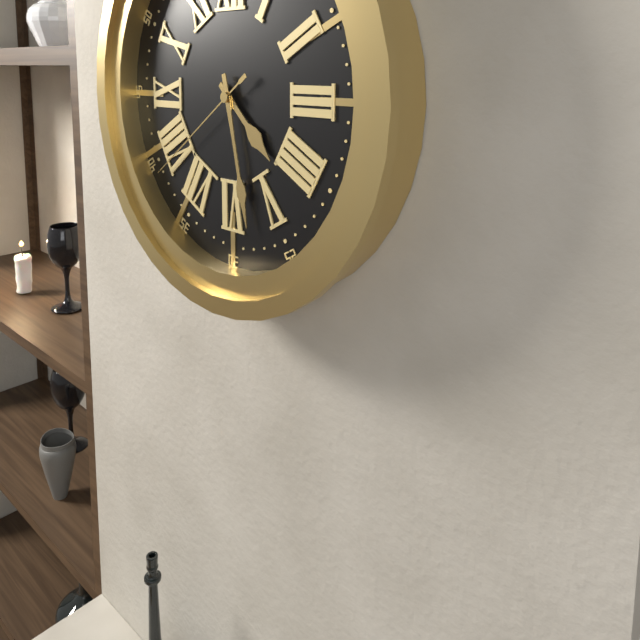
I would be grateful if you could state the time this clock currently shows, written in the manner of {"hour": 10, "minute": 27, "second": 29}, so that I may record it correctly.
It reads {"hour": 4, "minute": 28, "second": 39}
